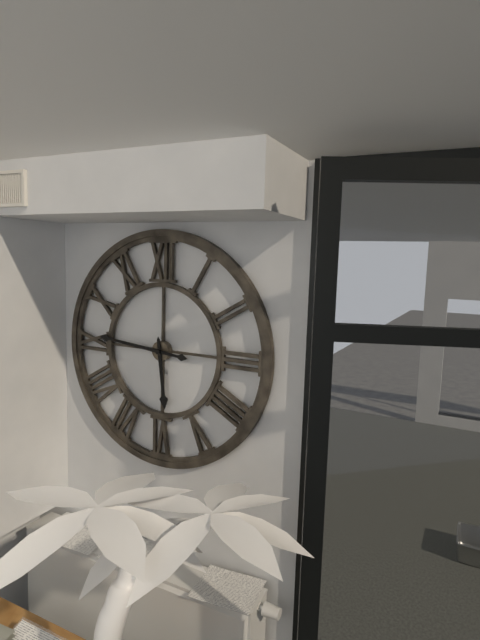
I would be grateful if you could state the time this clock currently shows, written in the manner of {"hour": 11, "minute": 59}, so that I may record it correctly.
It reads {"hour": 5, "minute": 46}
